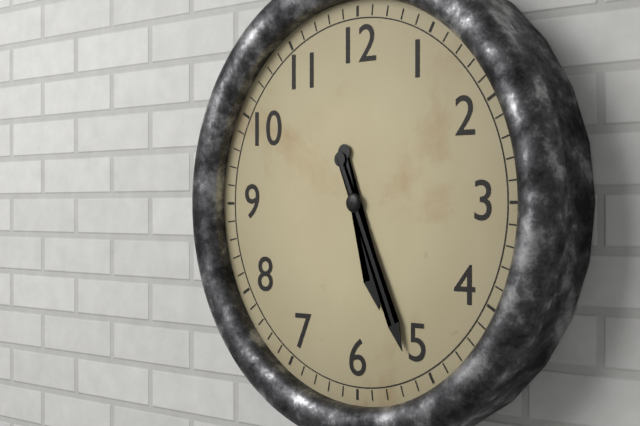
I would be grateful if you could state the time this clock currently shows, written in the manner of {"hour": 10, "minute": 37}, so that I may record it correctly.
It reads {"hour": 5, "minute": 26}
